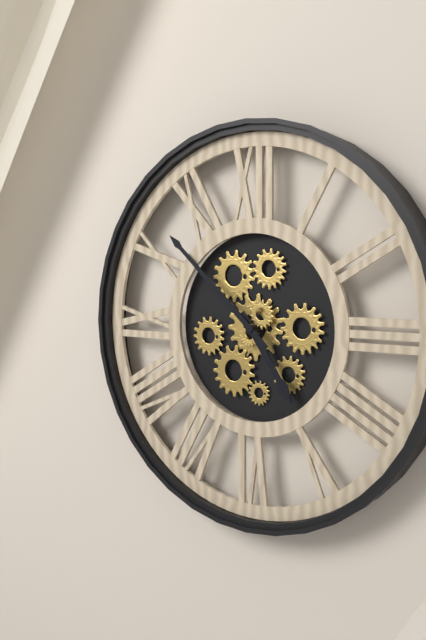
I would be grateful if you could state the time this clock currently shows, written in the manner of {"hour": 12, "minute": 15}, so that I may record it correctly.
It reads {"hour": 4, "minute": 52}
